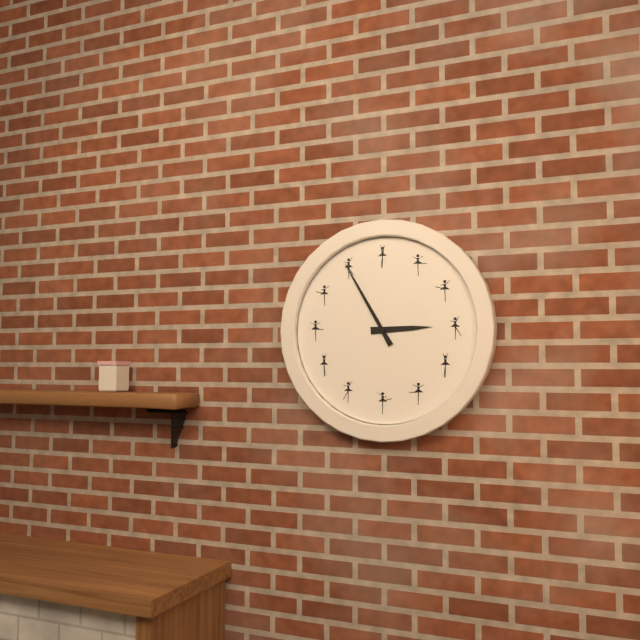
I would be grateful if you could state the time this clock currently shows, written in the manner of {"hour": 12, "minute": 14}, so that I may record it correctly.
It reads {"hour": 2, "minute": 55}
